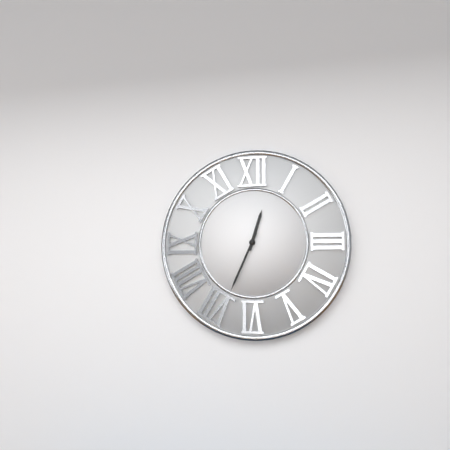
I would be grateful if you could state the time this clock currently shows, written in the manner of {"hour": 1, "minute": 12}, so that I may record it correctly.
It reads {"hour": 12, "minute": 34}
